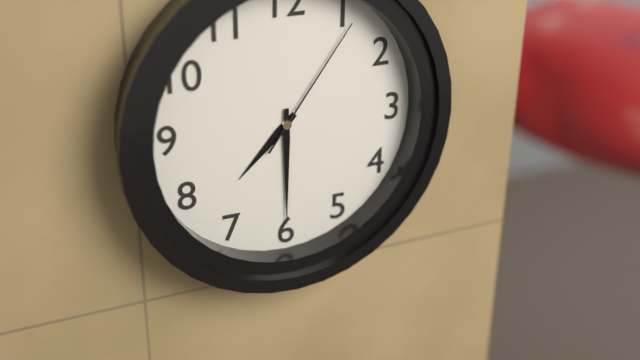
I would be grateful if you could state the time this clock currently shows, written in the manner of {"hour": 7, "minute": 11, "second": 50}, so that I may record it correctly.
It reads {"hour": 7, "minute": 30, "second": 6}
